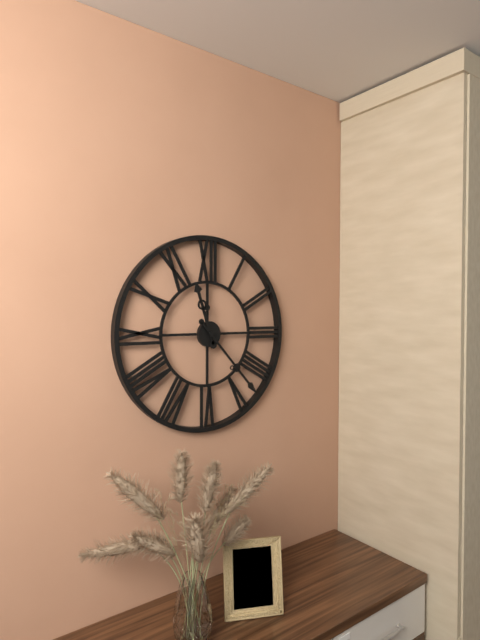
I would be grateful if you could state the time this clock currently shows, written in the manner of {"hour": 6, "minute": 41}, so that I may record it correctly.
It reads {"hour": 11, "minute": 23}
